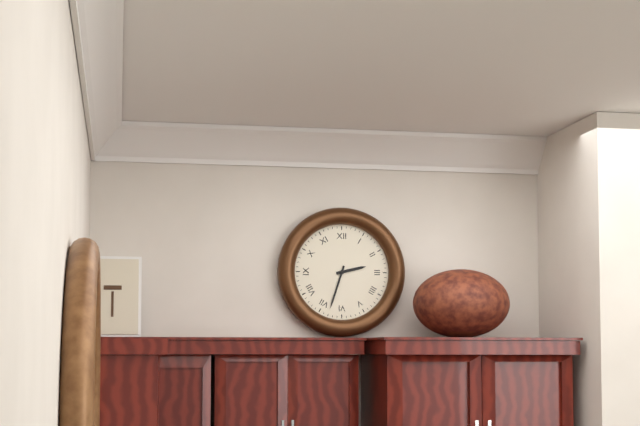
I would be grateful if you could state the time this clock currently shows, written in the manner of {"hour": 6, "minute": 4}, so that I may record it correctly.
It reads {"hour": 2, "minute": 33}
